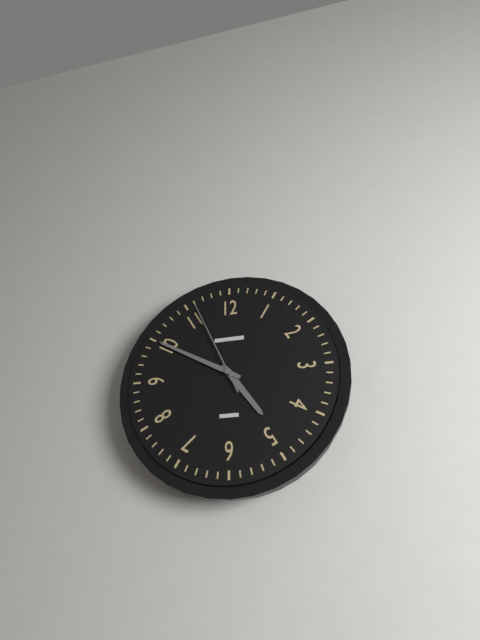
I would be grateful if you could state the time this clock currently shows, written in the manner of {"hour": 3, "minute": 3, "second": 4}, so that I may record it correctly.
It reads {"hour": 4, "minute": 50, "second": 56}
